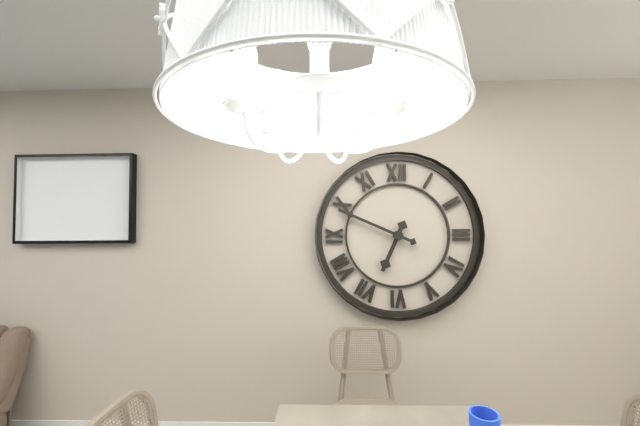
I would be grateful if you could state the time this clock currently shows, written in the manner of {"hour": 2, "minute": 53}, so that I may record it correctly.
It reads {"hour": 6, "minute": 49}
